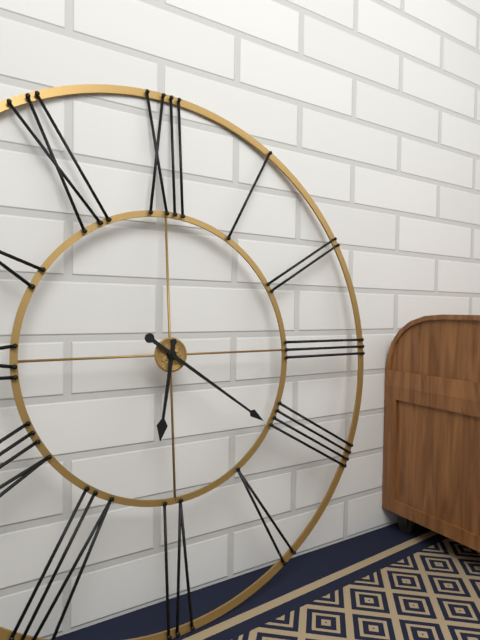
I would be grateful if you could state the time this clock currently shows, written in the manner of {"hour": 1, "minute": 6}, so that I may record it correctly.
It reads {"hour": 6, "minute": 21}
